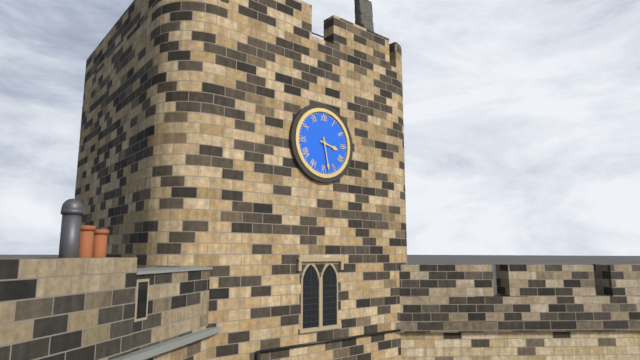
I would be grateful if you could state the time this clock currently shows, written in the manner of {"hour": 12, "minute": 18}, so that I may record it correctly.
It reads {"hour": 3, "minute": 28}
